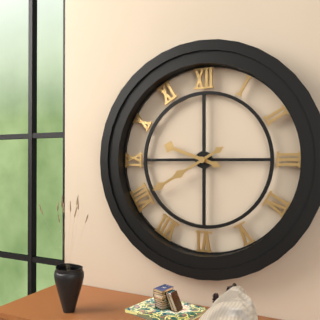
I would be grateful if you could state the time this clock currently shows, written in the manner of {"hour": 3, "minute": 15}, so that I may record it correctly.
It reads {"hour": 9, "minute": 40}
